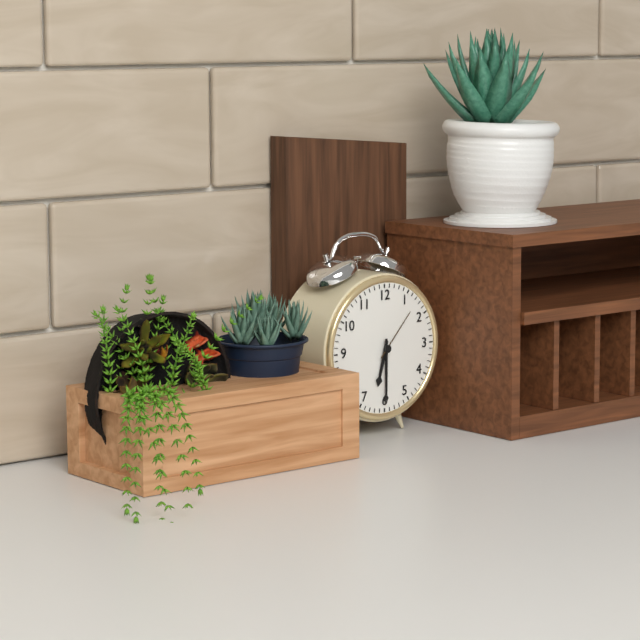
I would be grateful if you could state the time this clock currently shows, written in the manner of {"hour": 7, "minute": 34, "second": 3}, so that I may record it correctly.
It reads {"hour": 6, "minute": 30, "second": 7}
